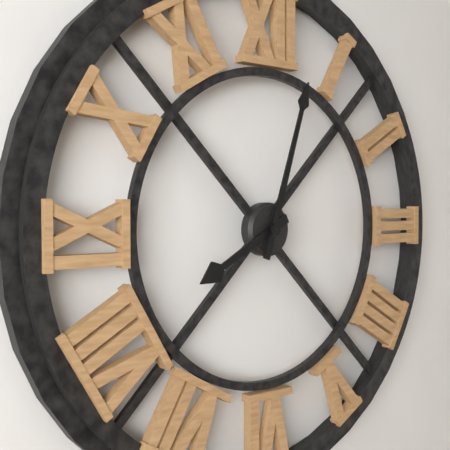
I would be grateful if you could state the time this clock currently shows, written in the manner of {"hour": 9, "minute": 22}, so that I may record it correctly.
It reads {"hour": 8, "minute": 3}
